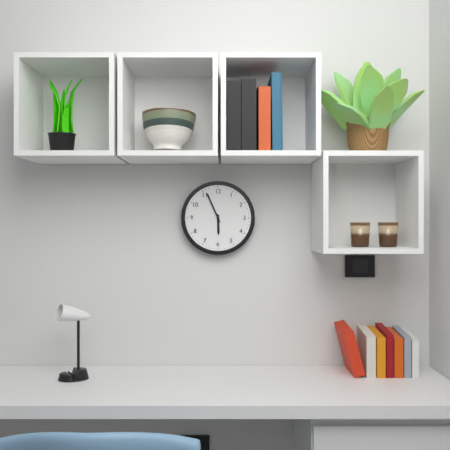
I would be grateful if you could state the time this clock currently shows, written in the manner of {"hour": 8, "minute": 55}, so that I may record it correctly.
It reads {"hour": 5, "minute": 56}
